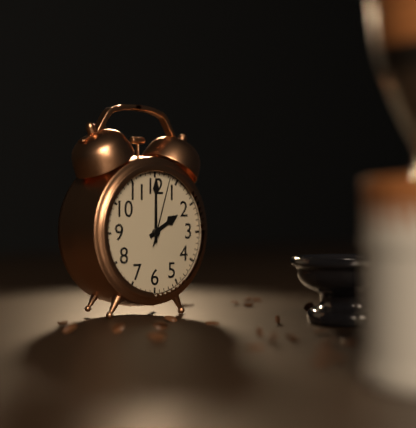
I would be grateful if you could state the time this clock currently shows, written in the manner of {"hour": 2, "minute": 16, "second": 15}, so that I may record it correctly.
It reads {"hour": 2, "minute": 0, "second": 3}
